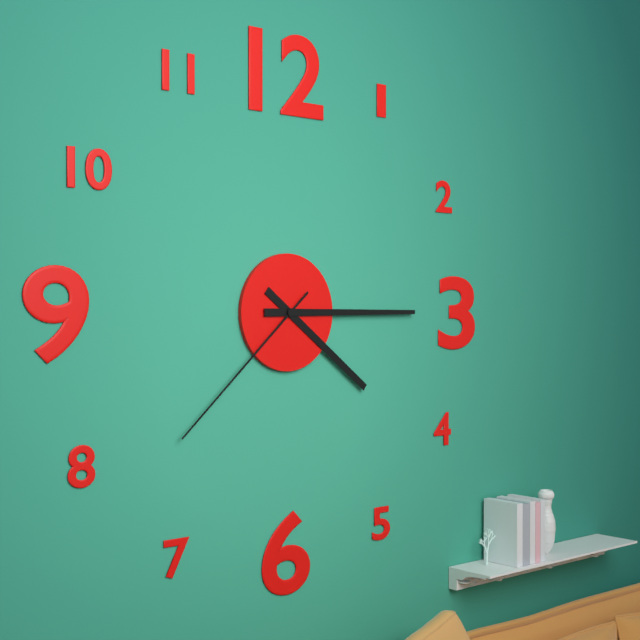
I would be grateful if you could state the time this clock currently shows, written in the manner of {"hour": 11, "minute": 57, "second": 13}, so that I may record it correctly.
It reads {"hour": 4, "minute": 15, "second": 38}
